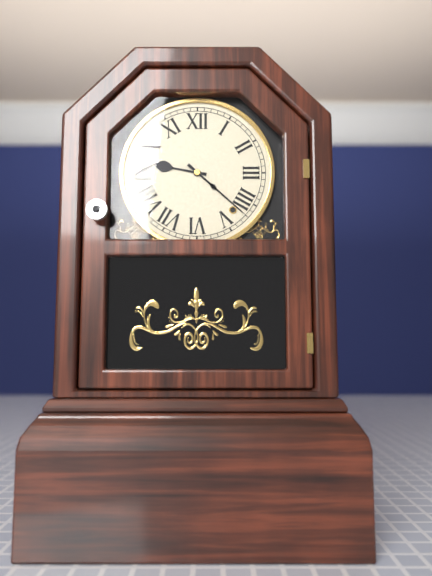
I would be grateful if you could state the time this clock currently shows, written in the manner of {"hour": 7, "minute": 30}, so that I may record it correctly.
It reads {"hour": 9, "minute": 22}
